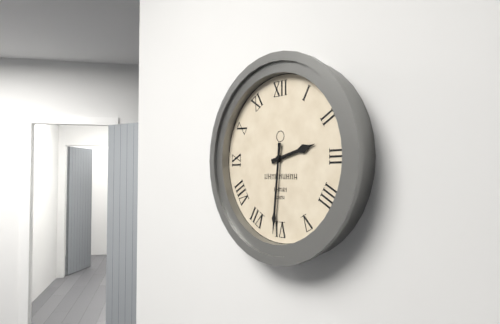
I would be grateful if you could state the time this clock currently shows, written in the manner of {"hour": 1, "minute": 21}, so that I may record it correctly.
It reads {"hour": 2, "minute": 31}
